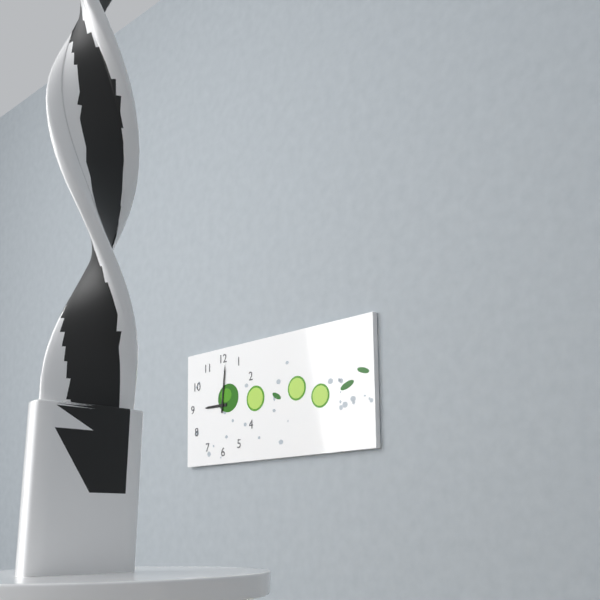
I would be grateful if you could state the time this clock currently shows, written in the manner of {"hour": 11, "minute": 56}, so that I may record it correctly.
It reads {"hour": 9, "minute": 1}
